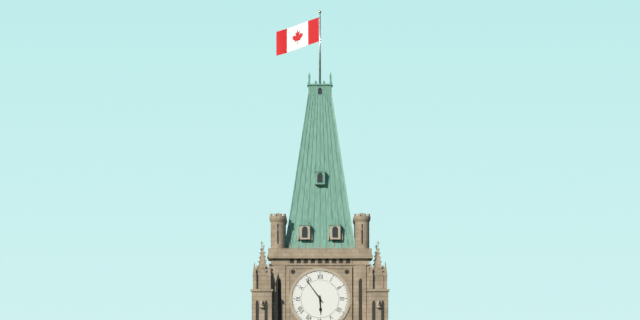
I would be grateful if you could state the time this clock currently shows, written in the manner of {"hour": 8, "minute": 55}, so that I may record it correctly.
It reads {"hour": 5, "minute": 54}
